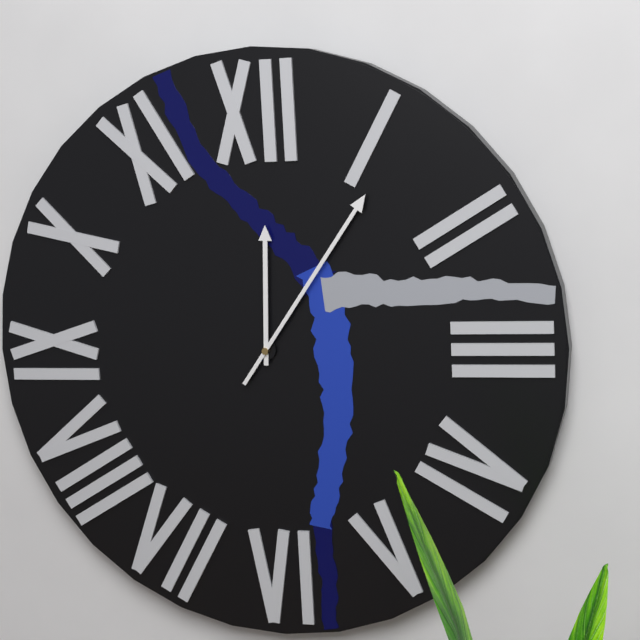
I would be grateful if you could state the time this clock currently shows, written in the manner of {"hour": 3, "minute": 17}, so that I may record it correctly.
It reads {"hour": 12, "minute": 6}
